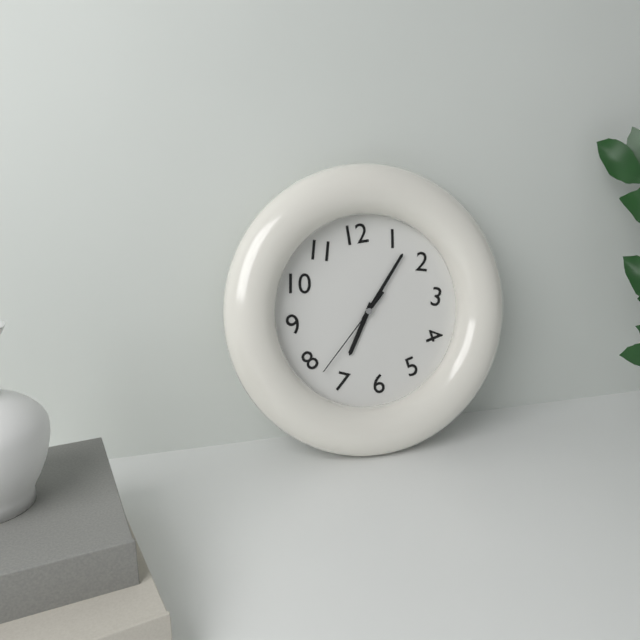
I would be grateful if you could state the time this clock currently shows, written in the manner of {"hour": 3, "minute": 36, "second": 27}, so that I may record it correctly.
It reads {"hour": 7, "minute": 7, "second": 38}
